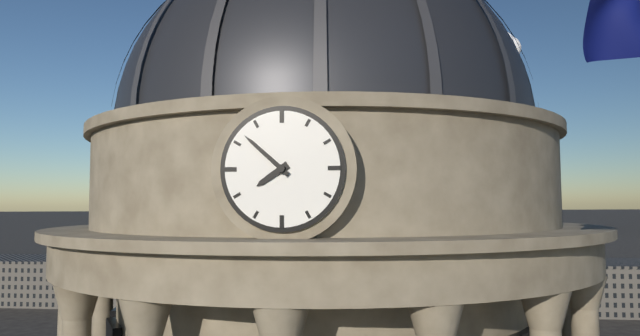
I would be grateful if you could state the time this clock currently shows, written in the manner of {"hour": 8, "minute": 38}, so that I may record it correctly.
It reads {"hour": 7, "minute": 52}
